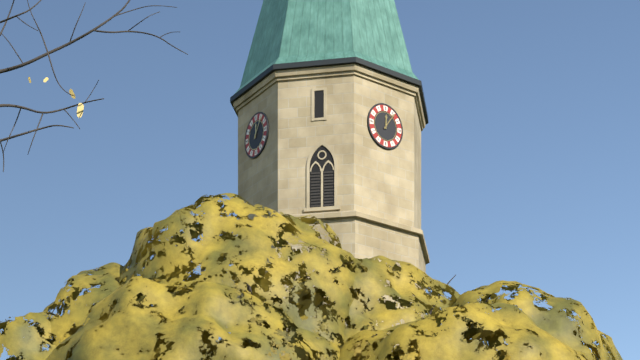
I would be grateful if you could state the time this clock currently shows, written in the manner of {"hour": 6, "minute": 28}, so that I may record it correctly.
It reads {"hour": 12, "minute": 6}
